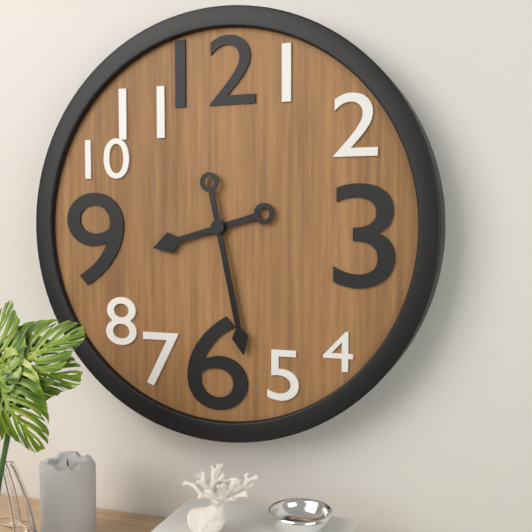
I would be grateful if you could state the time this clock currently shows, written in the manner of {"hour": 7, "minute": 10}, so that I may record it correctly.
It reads {"hour": 8, "minute": 28}
